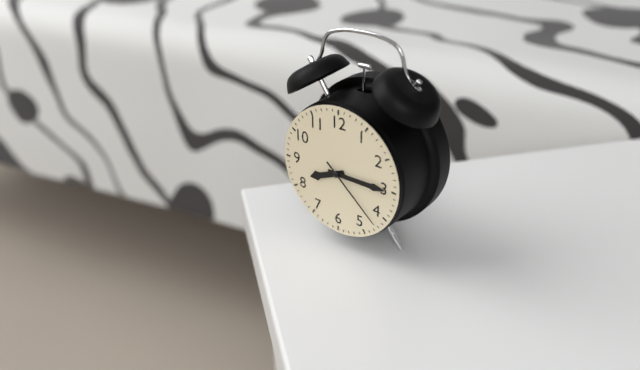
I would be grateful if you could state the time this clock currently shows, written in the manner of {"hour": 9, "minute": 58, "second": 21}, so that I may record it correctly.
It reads {"hour": 8, "minute": 15, "second": 22}
